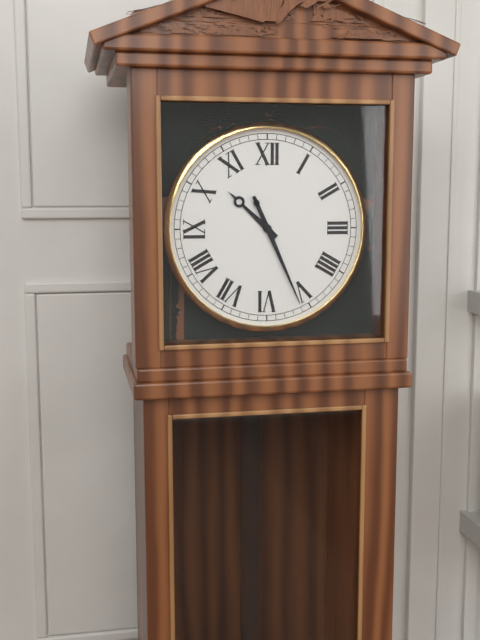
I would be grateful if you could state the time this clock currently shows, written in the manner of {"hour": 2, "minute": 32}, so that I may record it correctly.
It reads {"hour": 10, "minute": 26}
